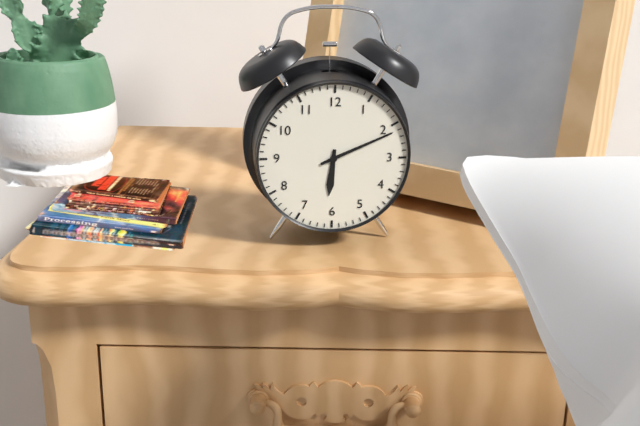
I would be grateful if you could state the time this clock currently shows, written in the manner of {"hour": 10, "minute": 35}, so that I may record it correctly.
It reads {"hour": 6, "minute": 11}
